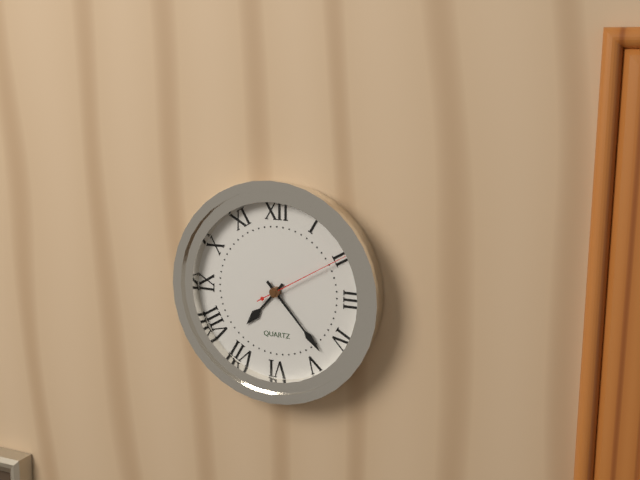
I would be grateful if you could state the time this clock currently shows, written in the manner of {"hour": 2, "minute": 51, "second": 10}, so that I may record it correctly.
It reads {"hour": 7, "minute": 23, "second": 10}
